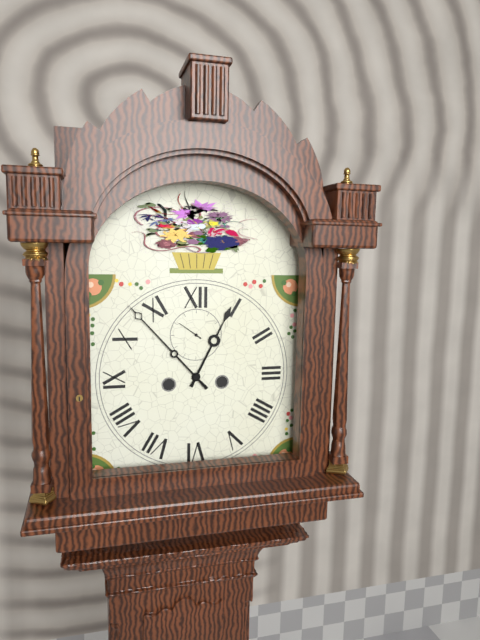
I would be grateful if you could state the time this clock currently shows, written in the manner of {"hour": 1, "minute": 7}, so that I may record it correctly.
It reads {"hour": 12, "minute": 53}
